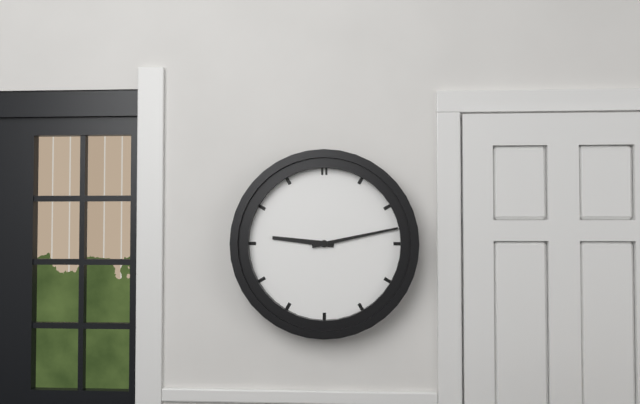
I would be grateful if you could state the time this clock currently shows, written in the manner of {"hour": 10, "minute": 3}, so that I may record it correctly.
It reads {"hour": 9, "minute": 13}
